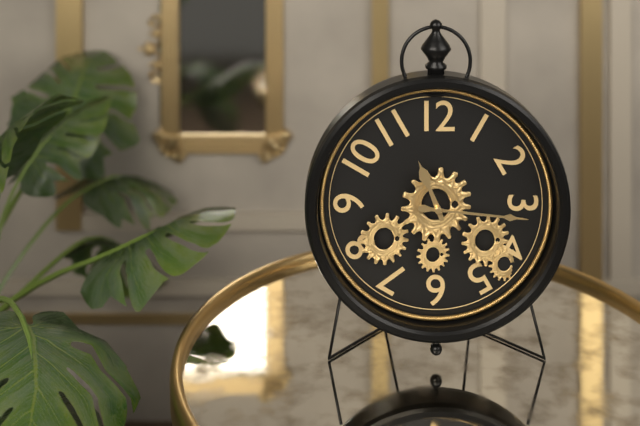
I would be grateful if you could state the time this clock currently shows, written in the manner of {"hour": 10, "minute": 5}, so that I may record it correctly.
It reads {"hour": 11, "minute": 16}
